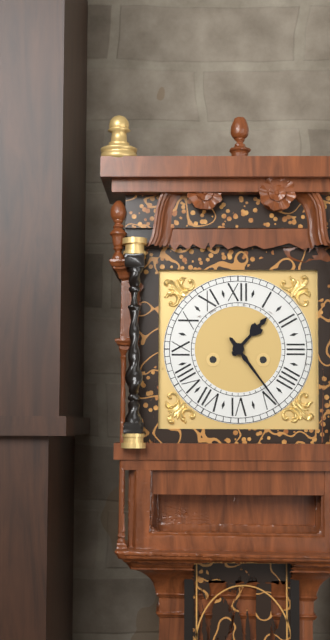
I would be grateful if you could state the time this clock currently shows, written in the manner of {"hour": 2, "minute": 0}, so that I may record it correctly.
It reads {"hour": 1, "minute": 24}
